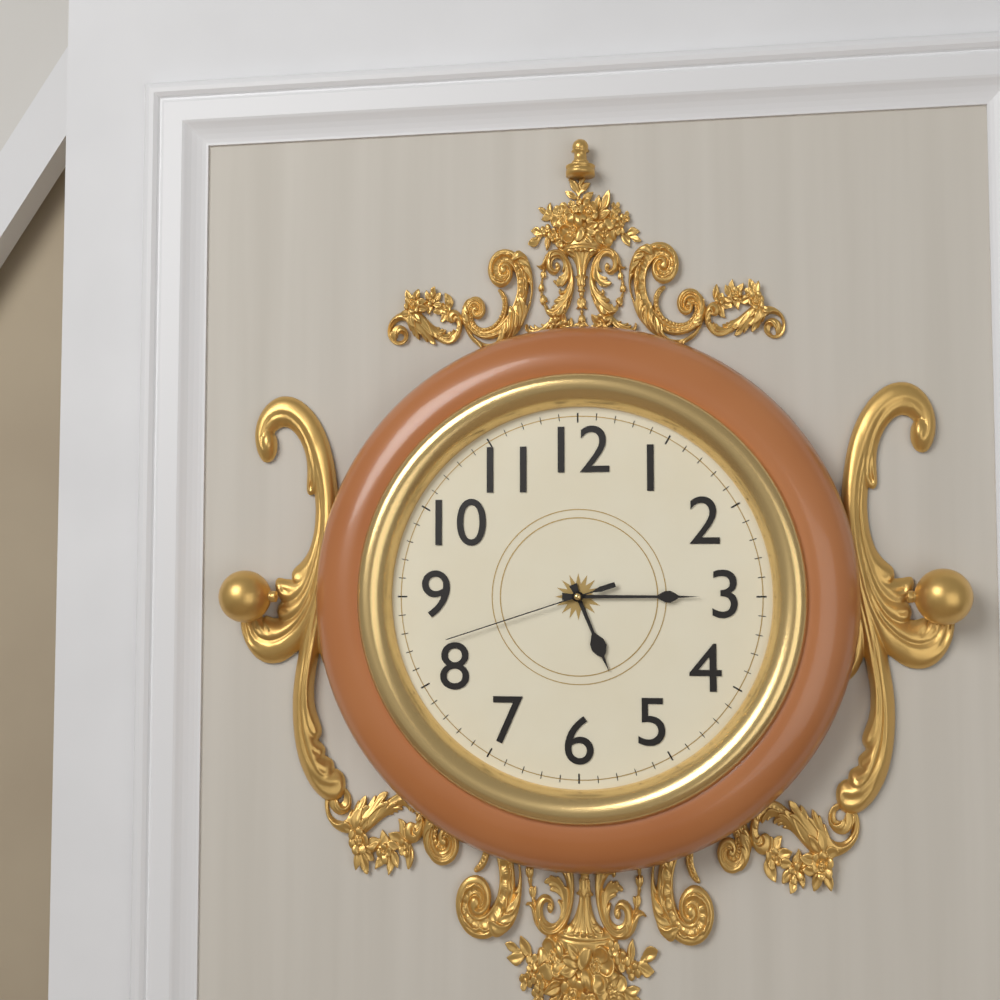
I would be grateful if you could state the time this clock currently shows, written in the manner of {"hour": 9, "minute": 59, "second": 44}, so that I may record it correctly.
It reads {"hour": 5, "minute": 15, "second": 42}
